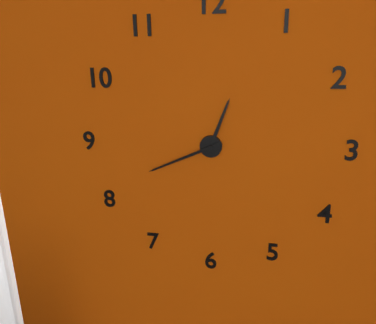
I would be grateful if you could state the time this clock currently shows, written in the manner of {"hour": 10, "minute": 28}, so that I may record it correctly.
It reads {"hour": 12, "minute": 41}
